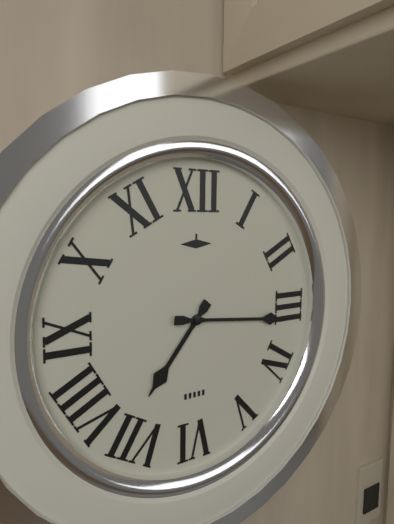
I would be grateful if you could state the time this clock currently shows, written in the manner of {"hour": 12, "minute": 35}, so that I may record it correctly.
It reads {"hour": 7, "minute": 16}
